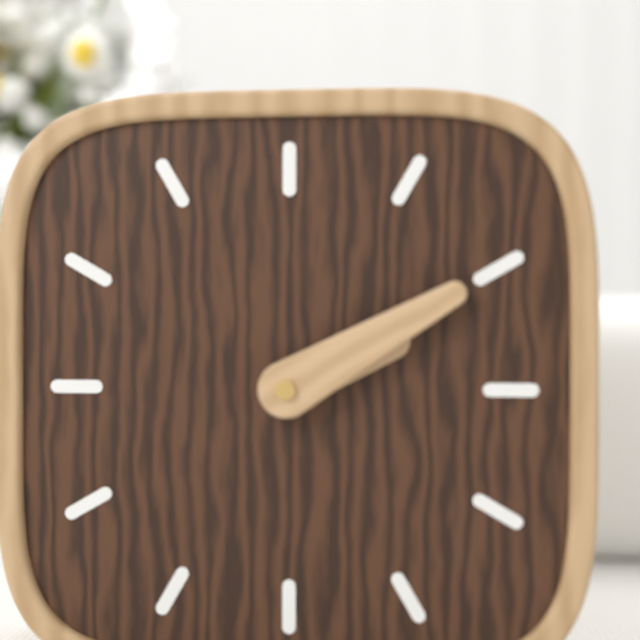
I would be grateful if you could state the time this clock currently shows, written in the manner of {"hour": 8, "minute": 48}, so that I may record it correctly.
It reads {"hour": 2, "minute": 10}
